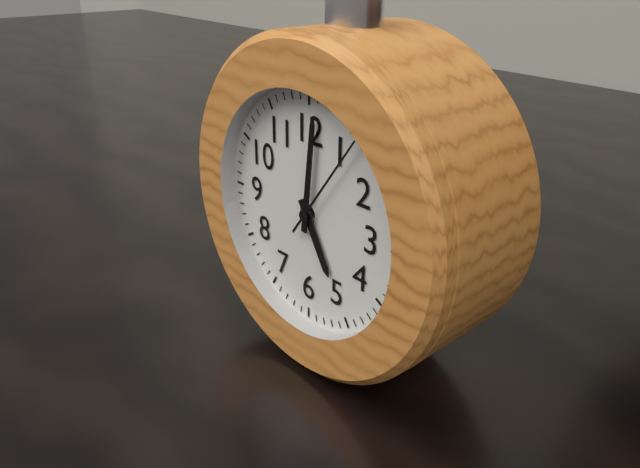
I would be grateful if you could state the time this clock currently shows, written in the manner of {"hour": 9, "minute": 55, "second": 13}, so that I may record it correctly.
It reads {"hour": 5, "minute": 1, "second": 6}
